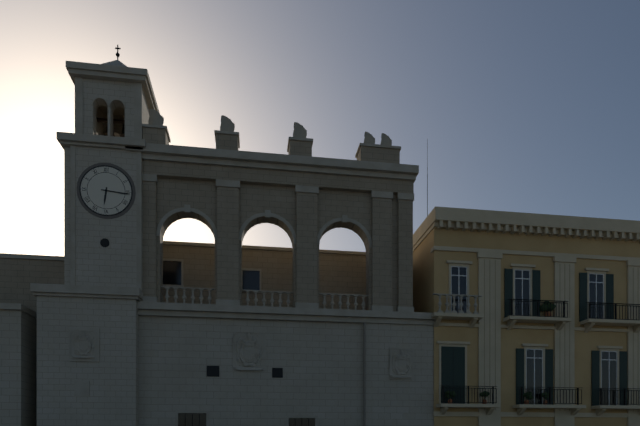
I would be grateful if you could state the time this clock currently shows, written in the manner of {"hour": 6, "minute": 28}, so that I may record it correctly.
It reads {"hour": 6, "minute": 16}
